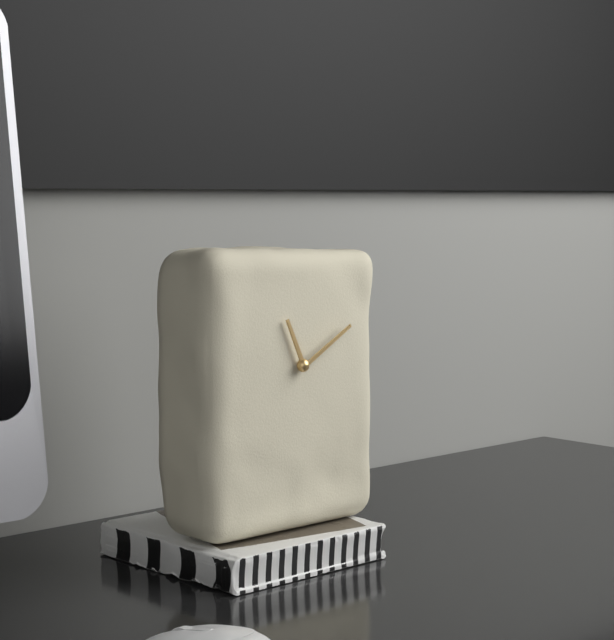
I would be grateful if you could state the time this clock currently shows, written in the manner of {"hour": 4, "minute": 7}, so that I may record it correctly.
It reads {"hour": 11, "minute": 10}
